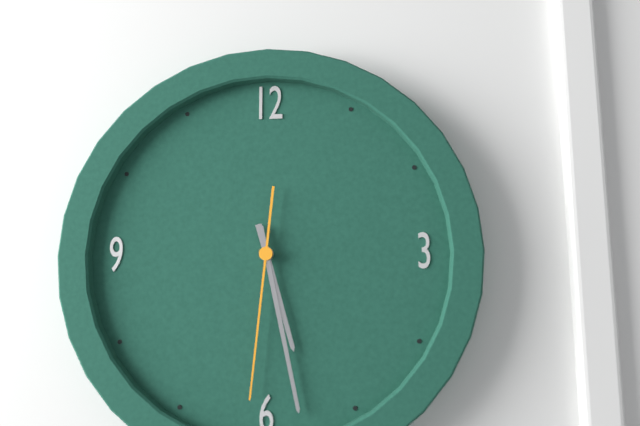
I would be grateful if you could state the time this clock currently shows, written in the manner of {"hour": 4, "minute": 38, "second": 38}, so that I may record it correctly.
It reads {"hour": 5, "minute": 28, "second": 31}
